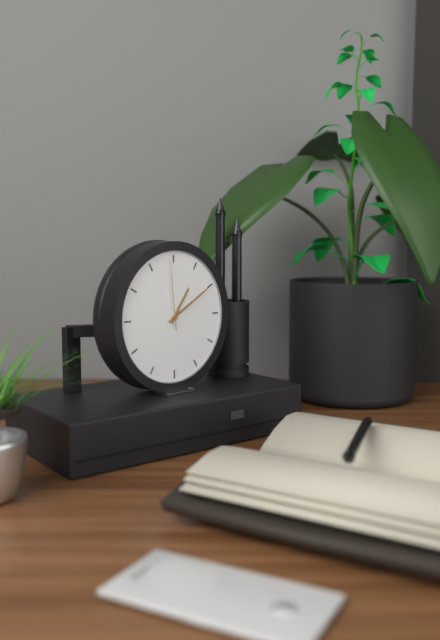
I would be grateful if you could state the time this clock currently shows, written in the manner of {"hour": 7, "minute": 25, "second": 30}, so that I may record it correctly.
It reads {"hour": 1, "minute": 10, "second": 59}
